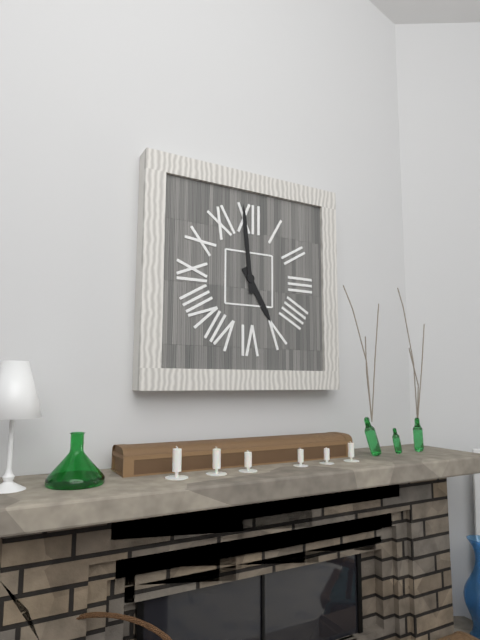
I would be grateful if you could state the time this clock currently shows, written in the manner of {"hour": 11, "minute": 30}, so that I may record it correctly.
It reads {"hour": 4, "minute": 59}
